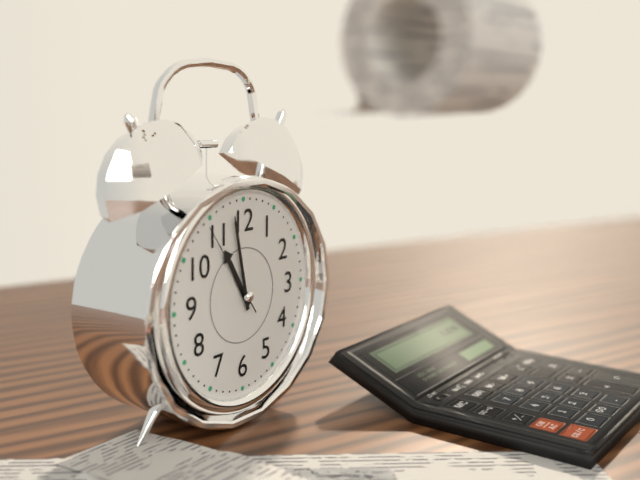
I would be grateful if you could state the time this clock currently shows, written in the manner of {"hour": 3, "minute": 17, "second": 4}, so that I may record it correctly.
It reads {"hour": 10, "minute": 58, "second": 54}
